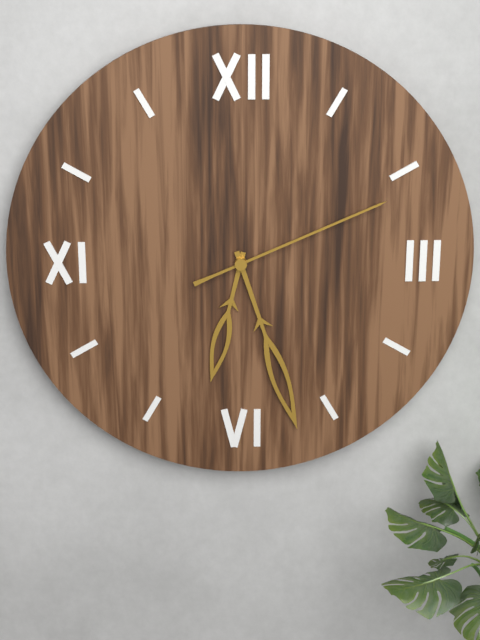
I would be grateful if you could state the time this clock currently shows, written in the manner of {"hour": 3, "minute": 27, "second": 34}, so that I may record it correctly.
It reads {"hour": 6, "minute": 27, "second": 11}
